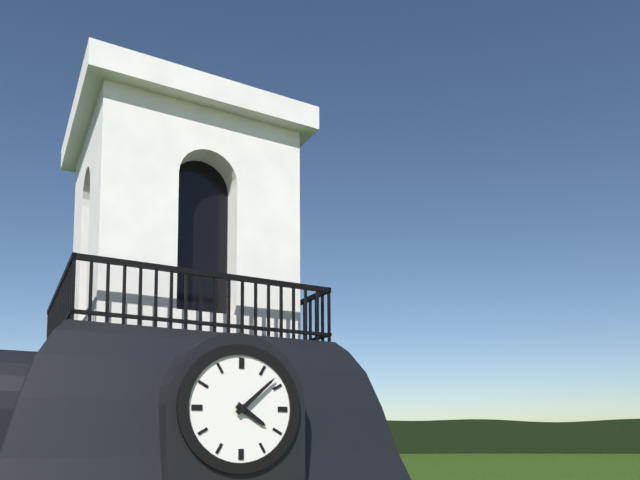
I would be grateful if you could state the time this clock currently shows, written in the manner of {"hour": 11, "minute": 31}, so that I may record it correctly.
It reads {"hour": 4, "minute": 8}
